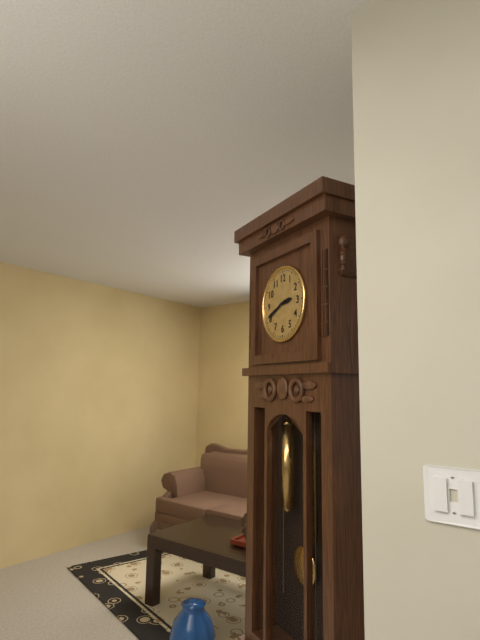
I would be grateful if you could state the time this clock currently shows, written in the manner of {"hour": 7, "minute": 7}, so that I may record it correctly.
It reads {"hour": 2, "minute": 41}
